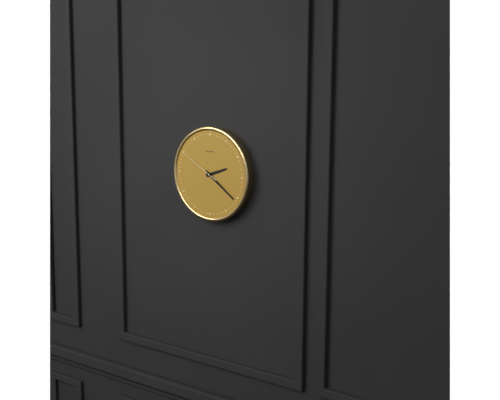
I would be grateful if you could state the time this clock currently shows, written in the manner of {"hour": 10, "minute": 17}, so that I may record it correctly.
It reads {"hour": 2, "minute": 21}
